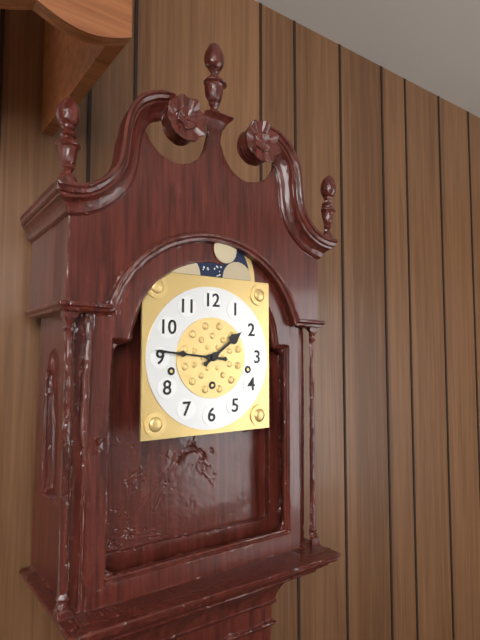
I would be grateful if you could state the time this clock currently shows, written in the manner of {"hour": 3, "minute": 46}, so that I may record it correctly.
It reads {"hour": 1, "minute": 46}
